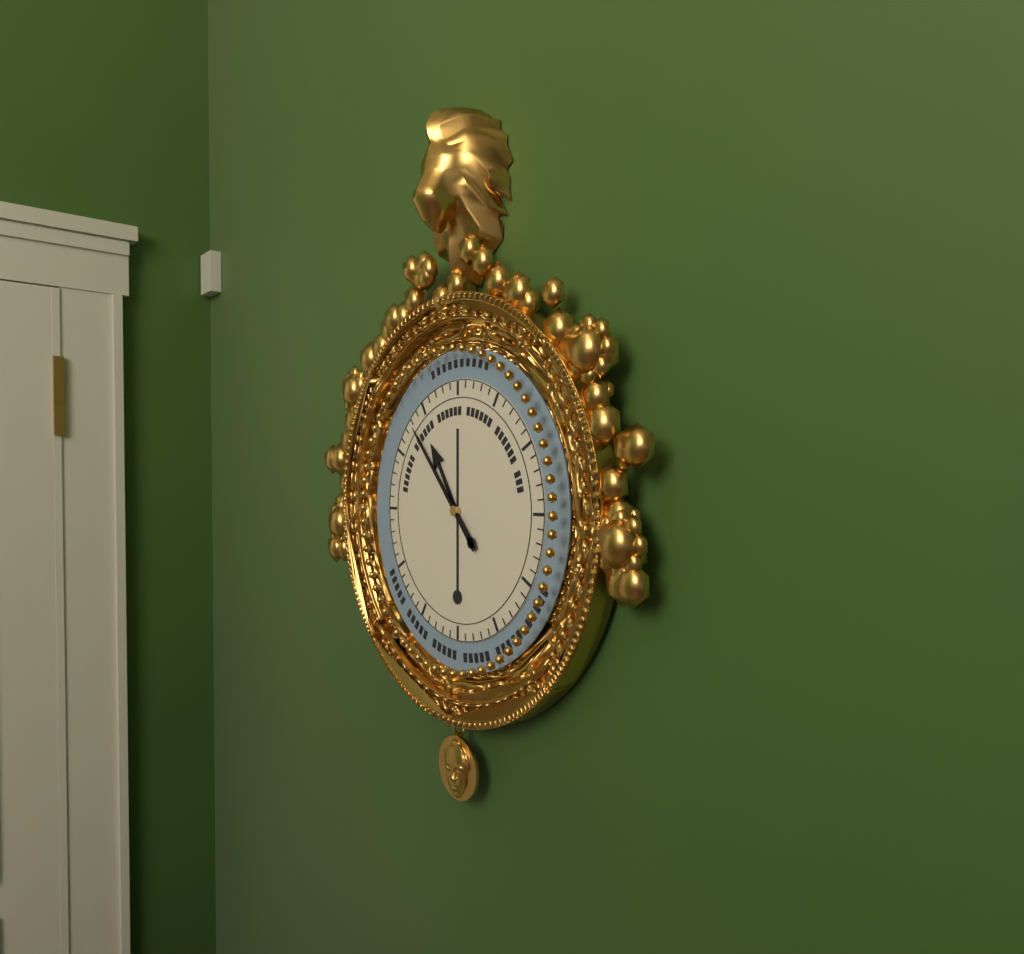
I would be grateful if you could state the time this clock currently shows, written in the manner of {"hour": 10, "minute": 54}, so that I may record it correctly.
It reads {"hour": 10, "minute": 53}
